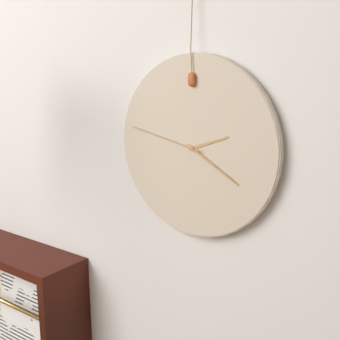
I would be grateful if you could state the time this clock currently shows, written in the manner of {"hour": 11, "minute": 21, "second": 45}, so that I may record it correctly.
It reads {"hour": 2, "minute": 20, "second": 47}
